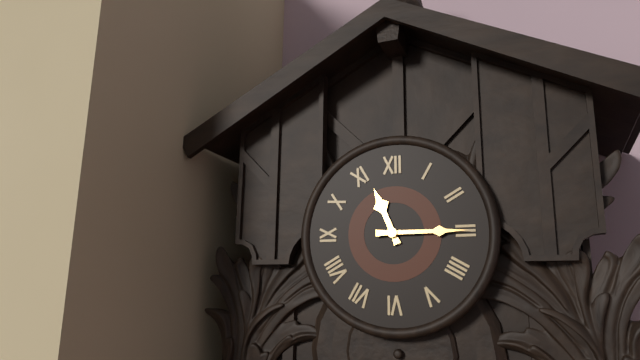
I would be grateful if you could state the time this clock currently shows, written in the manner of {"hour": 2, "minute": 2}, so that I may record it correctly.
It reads {"hour": 11, "minute": 15}
